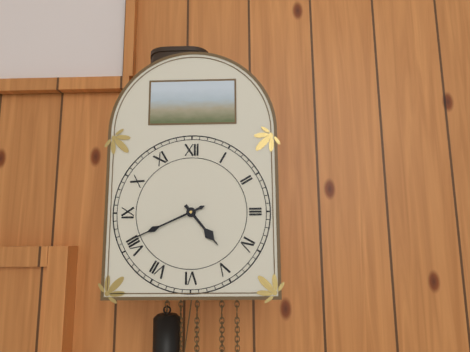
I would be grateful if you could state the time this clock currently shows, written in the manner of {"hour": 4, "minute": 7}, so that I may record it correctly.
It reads {"hour": 4, "minute": 41}
